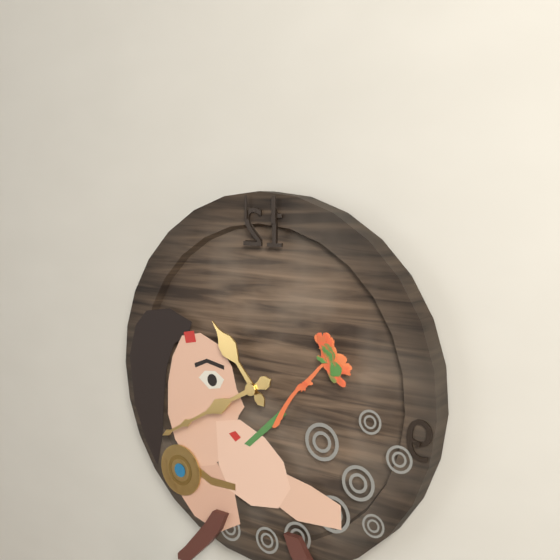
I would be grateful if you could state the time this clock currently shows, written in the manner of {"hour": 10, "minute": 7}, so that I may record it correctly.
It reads {"hour": 10, "minute": 40}
